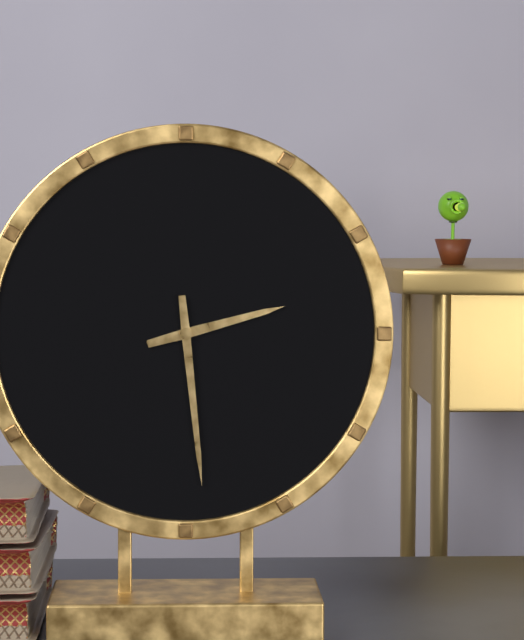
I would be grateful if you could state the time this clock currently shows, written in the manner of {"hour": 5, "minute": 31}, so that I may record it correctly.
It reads {"hour": 2, "minute": 29}
